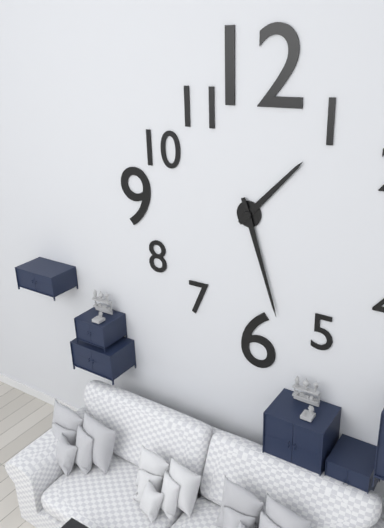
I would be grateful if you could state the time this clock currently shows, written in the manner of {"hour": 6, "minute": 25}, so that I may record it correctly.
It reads {"hour": 1, "minute": 27}
